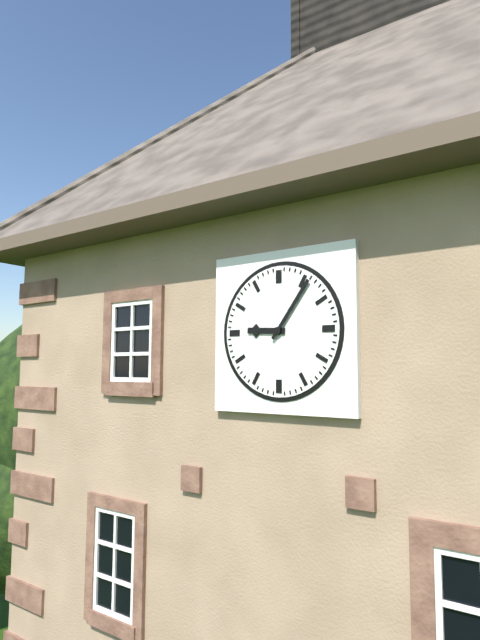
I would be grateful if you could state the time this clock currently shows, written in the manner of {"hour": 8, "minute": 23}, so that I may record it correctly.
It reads {"hour": 9, "minute": 6}
